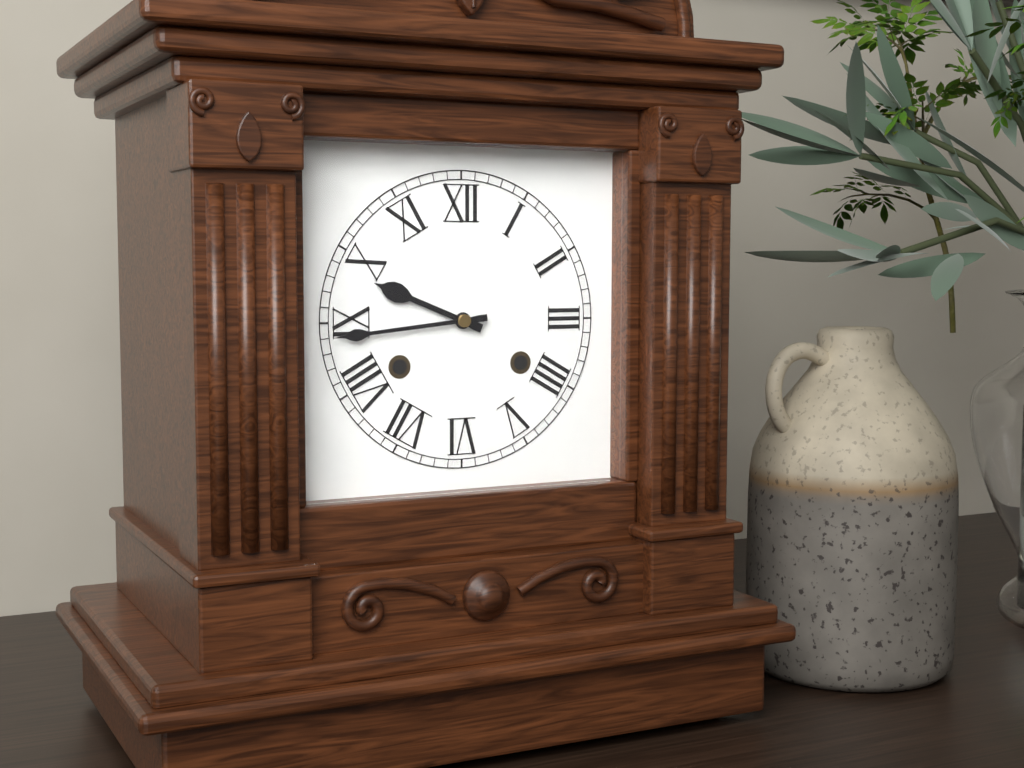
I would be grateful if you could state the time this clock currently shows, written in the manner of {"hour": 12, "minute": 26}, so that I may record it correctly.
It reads {"hour": 9, "minute": 44}
